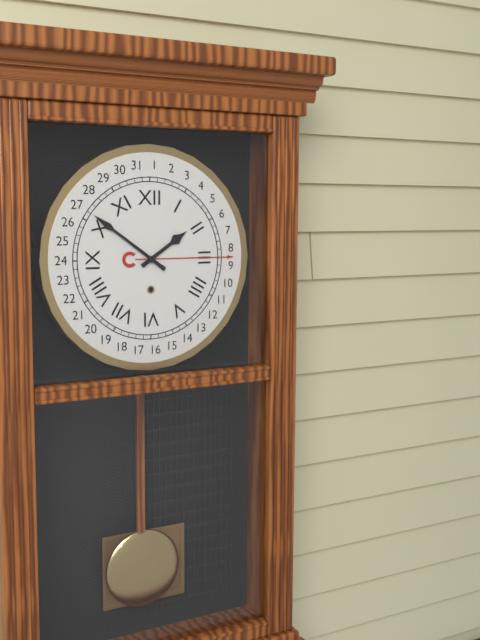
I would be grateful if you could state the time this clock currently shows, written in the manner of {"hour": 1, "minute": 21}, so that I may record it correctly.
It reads {"hour": 1, "minute": 51}
